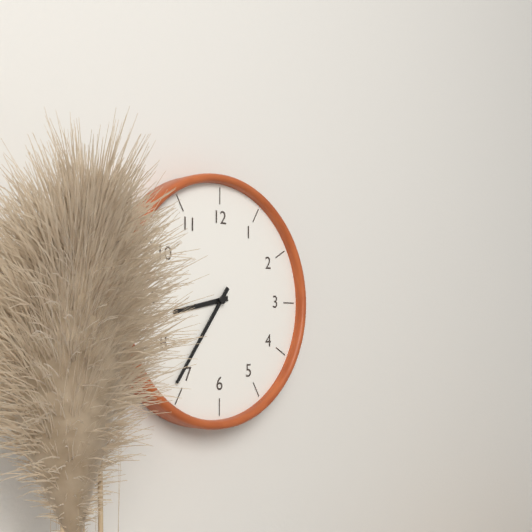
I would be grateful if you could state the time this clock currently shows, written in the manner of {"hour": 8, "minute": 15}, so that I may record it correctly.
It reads {"hour": 8, "minute": 36}
